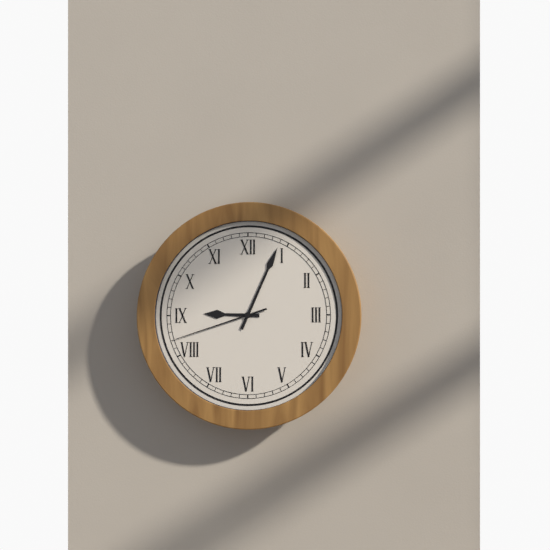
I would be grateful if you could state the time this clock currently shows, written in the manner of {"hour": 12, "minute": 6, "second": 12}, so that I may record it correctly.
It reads {"hour": 9, "minute": 4, "second": 42}
